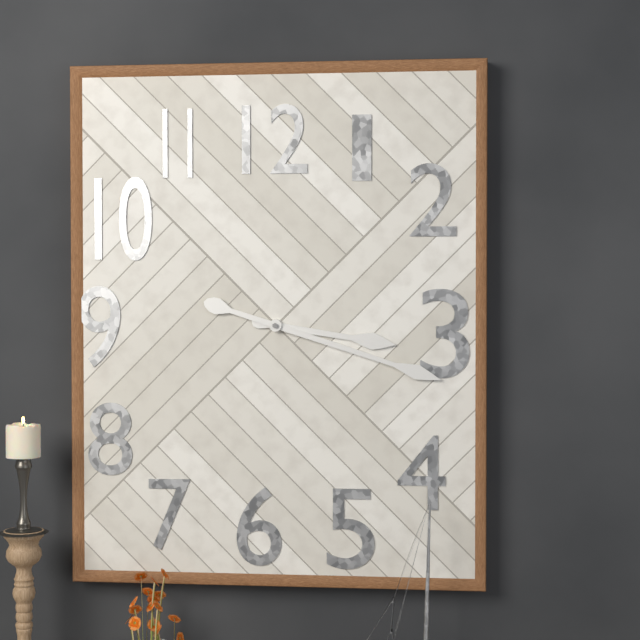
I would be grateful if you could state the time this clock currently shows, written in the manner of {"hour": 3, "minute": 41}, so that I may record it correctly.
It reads {"hour": 3, "minute": 18}
